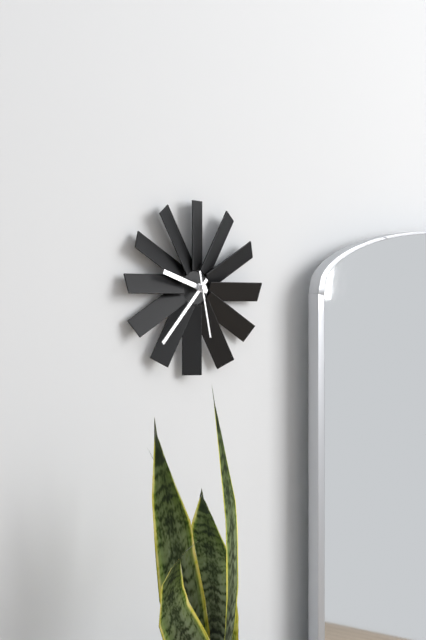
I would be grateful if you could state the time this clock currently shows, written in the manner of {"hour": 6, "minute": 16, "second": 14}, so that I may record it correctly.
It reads {"hour": 9, "minute": 37, "second": 28}
